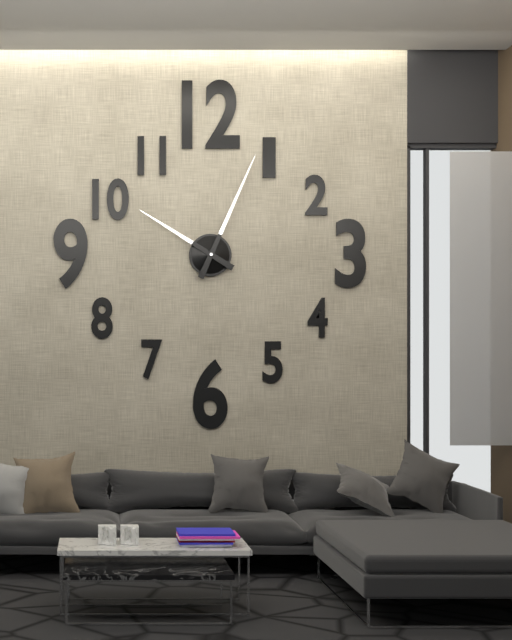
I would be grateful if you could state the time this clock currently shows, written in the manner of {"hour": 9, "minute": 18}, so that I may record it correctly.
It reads {"hour": 10, "minute": 4}
